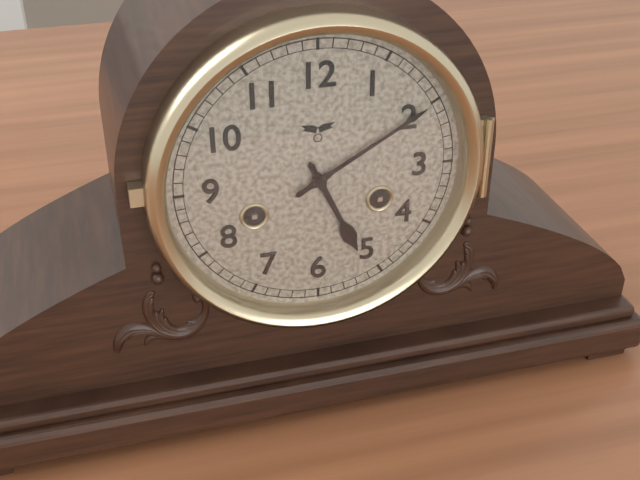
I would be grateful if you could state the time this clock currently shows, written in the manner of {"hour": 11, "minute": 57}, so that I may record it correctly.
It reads {"hour": 5, "minute": 10}
